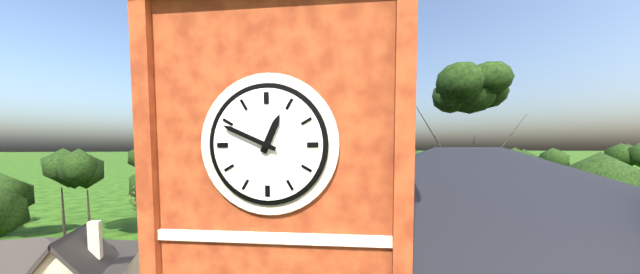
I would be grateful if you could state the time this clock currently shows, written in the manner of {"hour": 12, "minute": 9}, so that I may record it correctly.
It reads {"hour": 12, "minute": 49}
